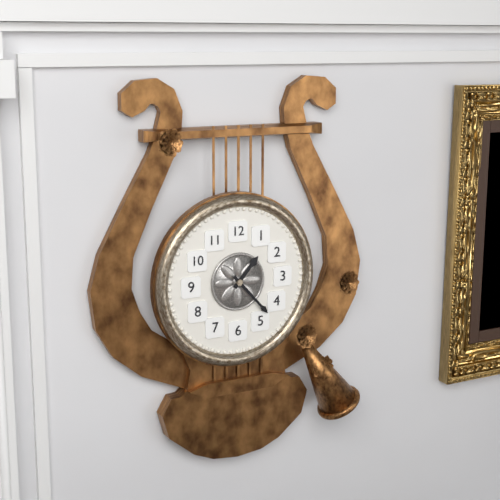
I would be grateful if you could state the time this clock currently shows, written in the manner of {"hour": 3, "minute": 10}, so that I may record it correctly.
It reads {"hour": 1, "minute": 23}
